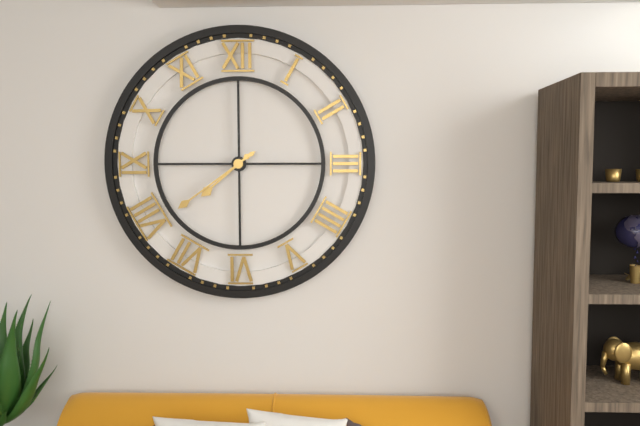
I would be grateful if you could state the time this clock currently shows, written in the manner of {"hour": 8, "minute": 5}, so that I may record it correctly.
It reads {"hour": 7, "minute": 39}
